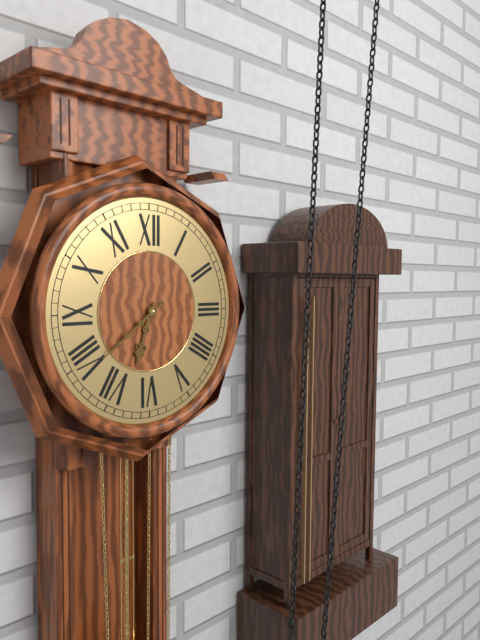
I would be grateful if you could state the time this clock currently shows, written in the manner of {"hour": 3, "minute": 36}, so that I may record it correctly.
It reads {"hour": 6, "minute": 39}
